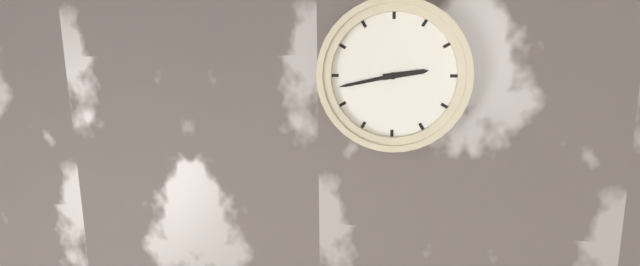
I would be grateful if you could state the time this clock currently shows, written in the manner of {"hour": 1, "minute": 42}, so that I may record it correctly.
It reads {"hour": 2, "minute": 43}
